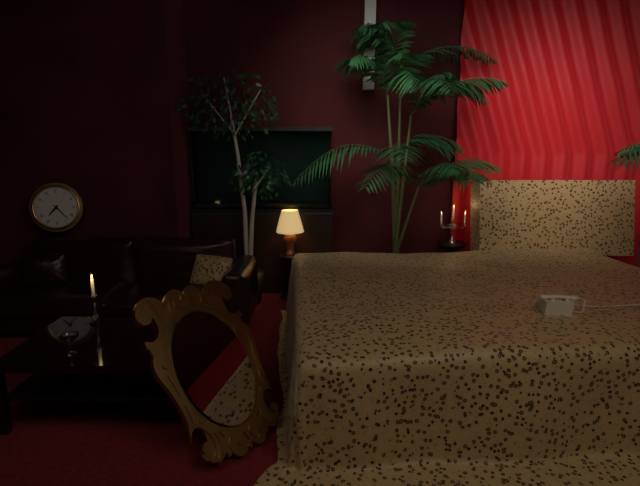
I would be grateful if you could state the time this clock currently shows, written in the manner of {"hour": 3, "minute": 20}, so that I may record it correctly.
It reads {"hour": 7, "minute": 23}
